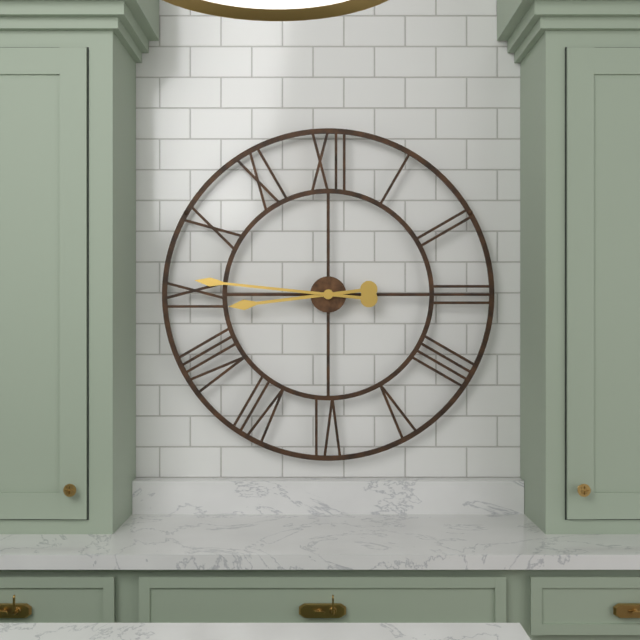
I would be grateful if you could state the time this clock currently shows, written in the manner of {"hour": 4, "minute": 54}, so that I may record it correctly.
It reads {"hour": 8, "minute": 46}
